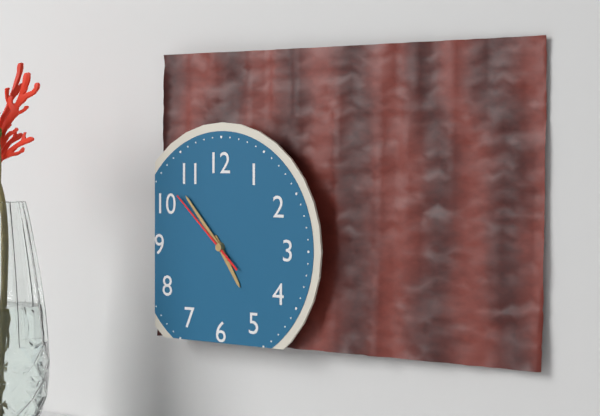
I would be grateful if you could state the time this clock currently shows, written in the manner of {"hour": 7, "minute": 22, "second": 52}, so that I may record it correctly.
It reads {"hour": 4, "minute": 53, "second": 52}
